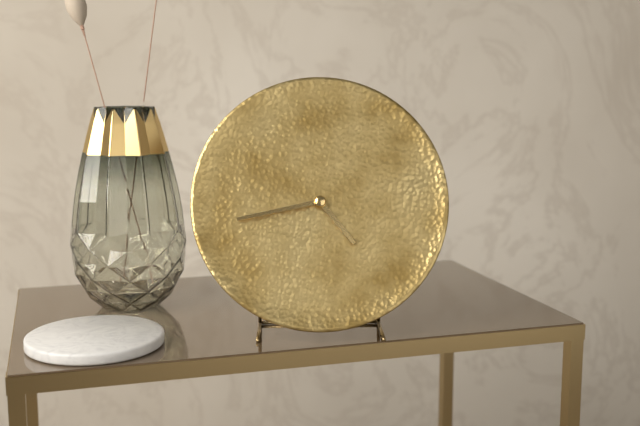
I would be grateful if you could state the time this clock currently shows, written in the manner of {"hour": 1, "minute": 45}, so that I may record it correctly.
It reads {"hour": 4, "minute": 43}
